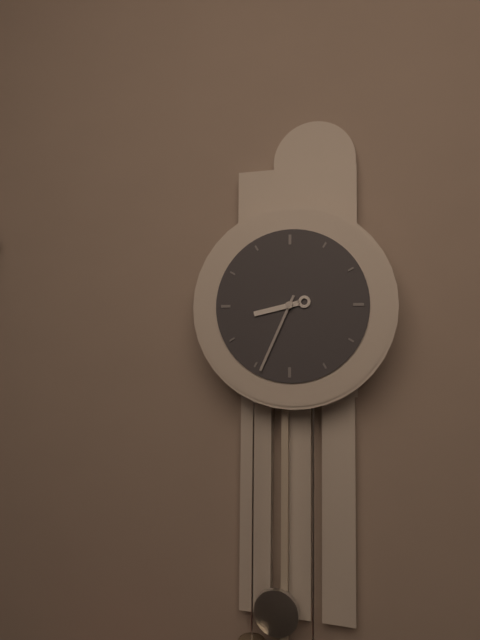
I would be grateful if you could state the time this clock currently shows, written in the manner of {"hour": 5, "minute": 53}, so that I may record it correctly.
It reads {"hour": 8, "minute": 34}
